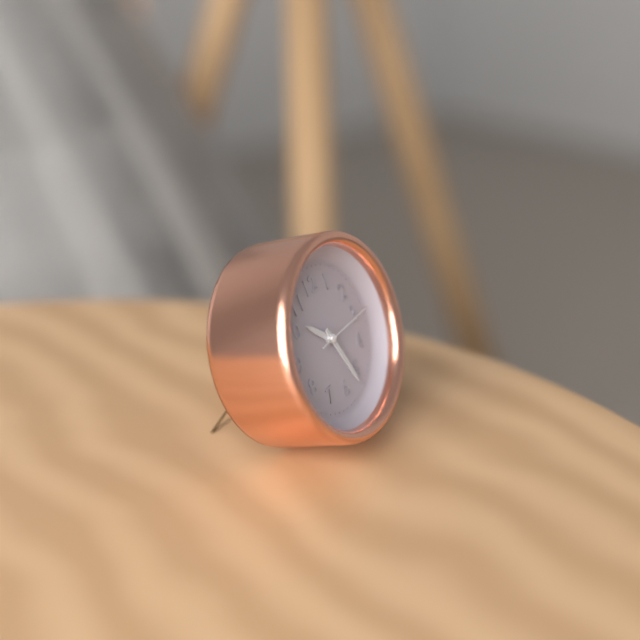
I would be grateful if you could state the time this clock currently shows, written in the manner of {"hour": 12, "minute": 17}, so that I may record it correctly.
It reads {"hour": 10, "minute": 27}
